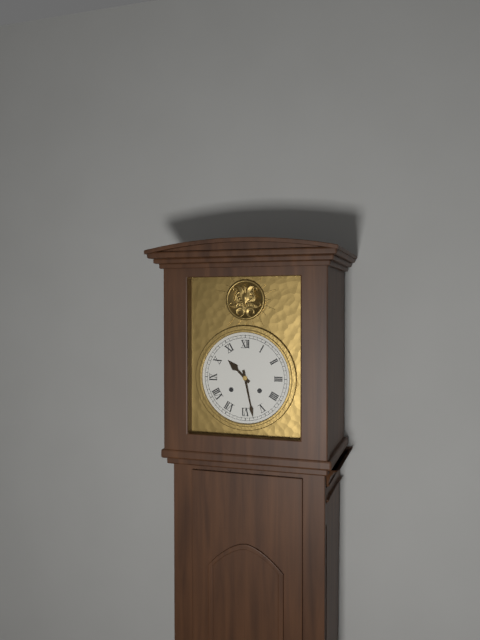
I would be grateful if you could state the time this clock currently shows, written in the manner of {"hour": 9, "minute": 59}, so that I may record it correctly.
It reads {"hour": 10, "minute": 28}
